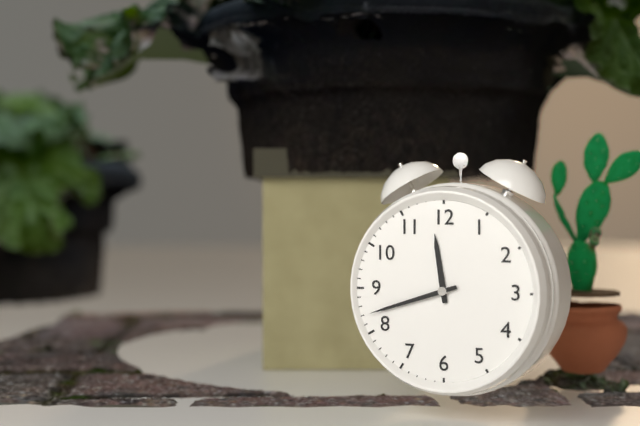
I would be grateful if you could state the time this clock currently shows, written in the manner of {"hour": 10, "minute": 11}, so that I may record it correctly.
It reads {"hour": 11, "minute": 42}
